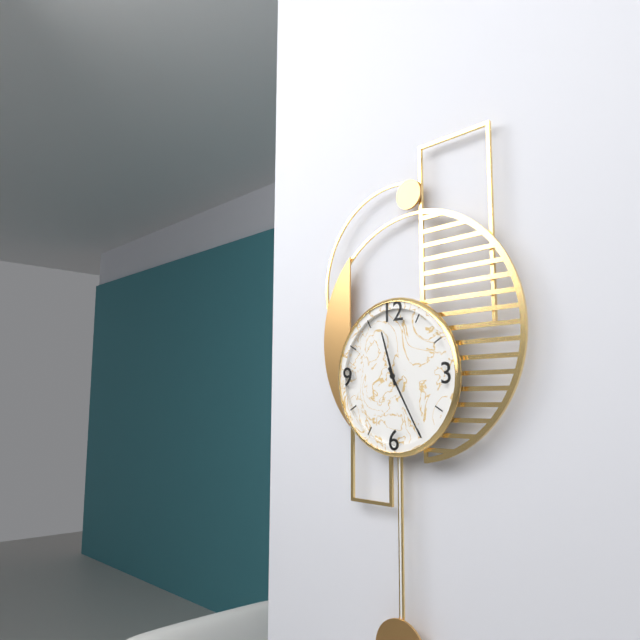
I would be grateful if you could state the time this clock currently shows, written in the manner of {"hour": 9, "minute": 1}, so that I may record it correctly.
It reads {"hour": 11, "minute": 25}
